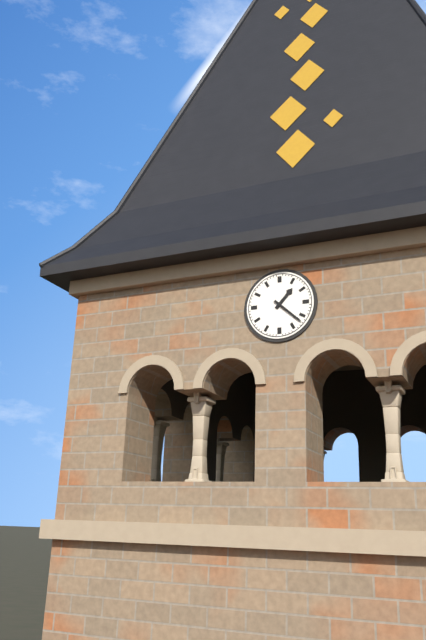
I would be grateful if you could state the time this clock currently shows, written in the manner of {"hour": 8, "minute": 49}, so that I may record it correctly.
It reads {"hour": 1, "minute": 22}
